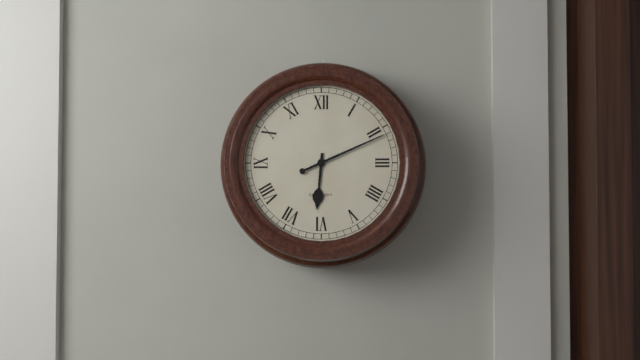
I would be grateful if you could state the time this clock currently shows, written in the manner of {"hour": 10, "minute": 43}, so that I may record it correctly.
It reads {"hour": 6, "minute": 11}
